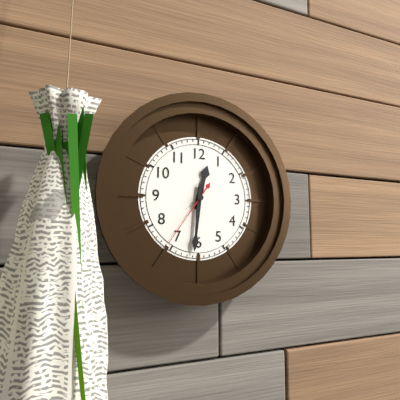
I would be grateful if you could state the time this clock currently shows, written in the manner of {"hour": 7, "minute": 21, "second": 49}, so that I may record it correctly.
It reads {"hour": 12, "minute": 31, "second": 36}
